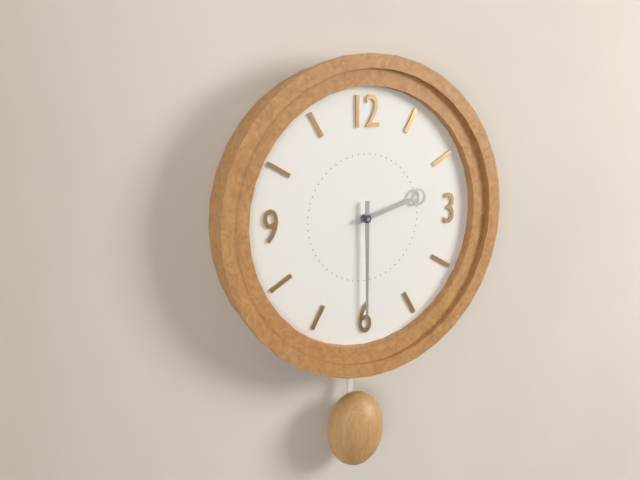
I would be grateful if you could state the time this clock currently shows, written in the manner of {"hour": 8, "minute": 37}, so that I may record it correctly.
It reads {"hour": 2, "minute": 30}
